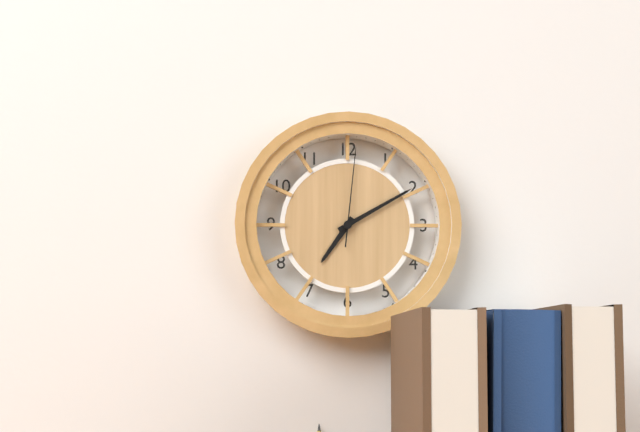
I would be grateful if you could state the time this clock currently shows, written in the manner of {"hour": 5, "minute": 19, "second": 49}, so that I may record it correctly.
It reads {"hour": 7, "minute": 10, "second": 1}
